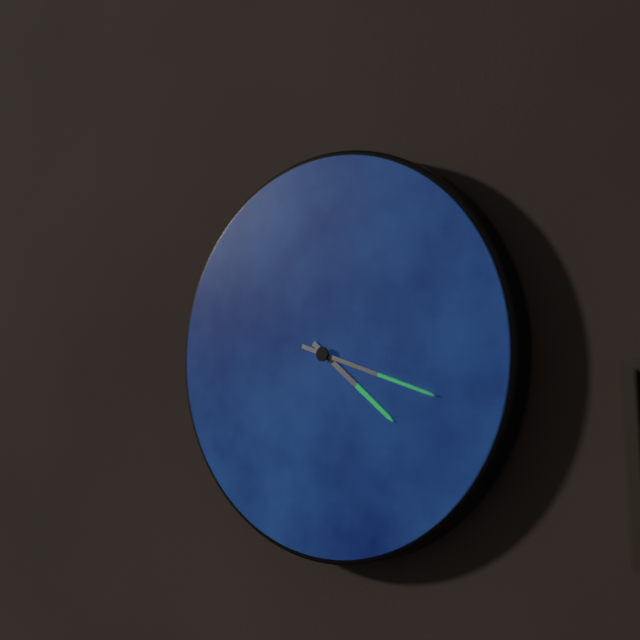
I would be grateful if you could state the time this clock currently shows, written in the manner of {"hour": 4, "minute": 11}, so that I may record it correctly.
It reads {"hour": 4, "minute": 18}
